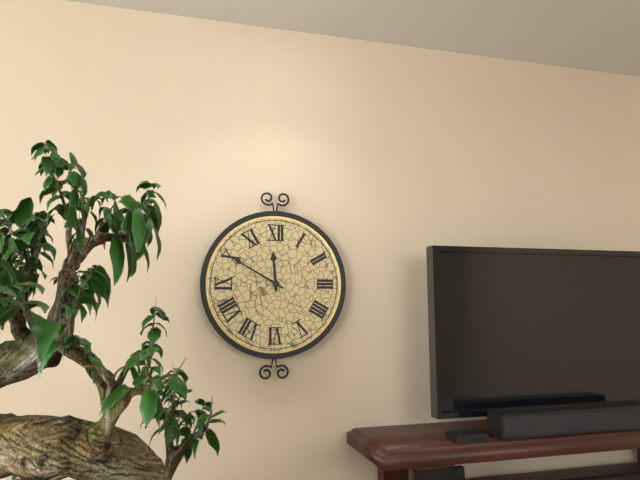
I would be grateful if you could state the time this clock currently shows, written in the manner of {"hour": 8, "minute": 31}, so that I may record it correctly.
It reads {"hour": 11, "minute": 50}
